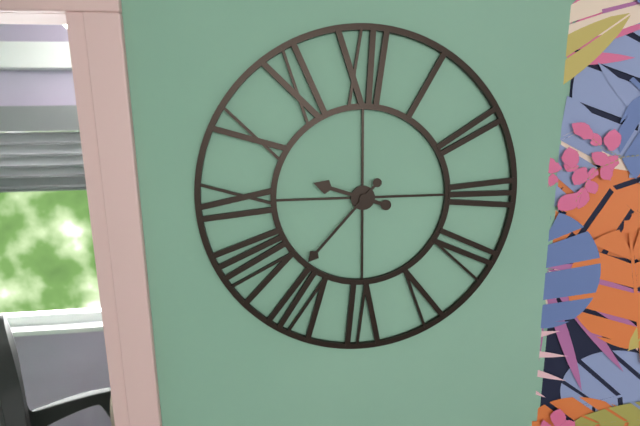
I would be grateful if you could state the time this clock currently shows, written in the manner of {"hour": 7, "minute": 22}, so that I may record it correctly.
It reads {"hour": 9, "minute": 37}
